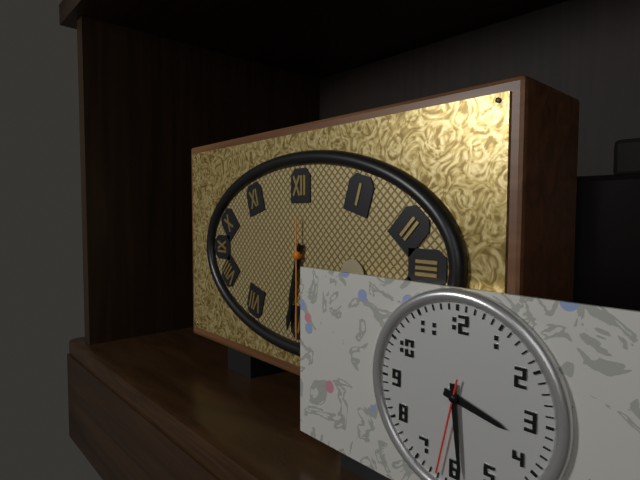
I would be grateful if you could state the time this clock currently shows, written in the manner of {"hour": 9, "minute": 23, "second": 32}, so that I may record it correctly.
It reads {"hour": 6, "minute": 32, "second": 30}
